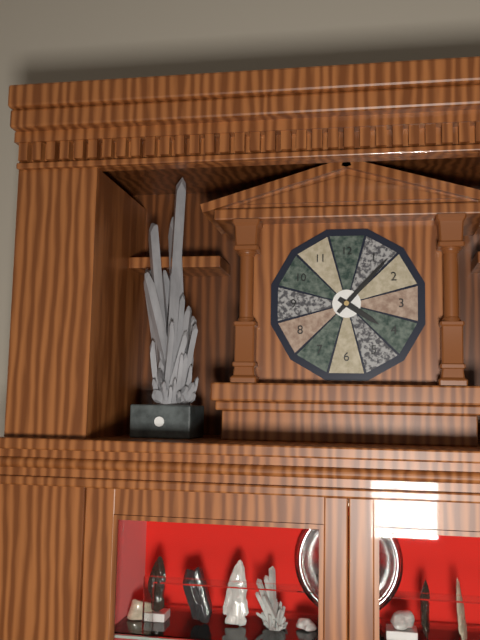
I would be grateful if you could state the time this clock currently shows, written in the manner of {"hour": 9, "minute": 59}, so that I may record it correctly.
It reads {"hour": 4, "minute": 7}
